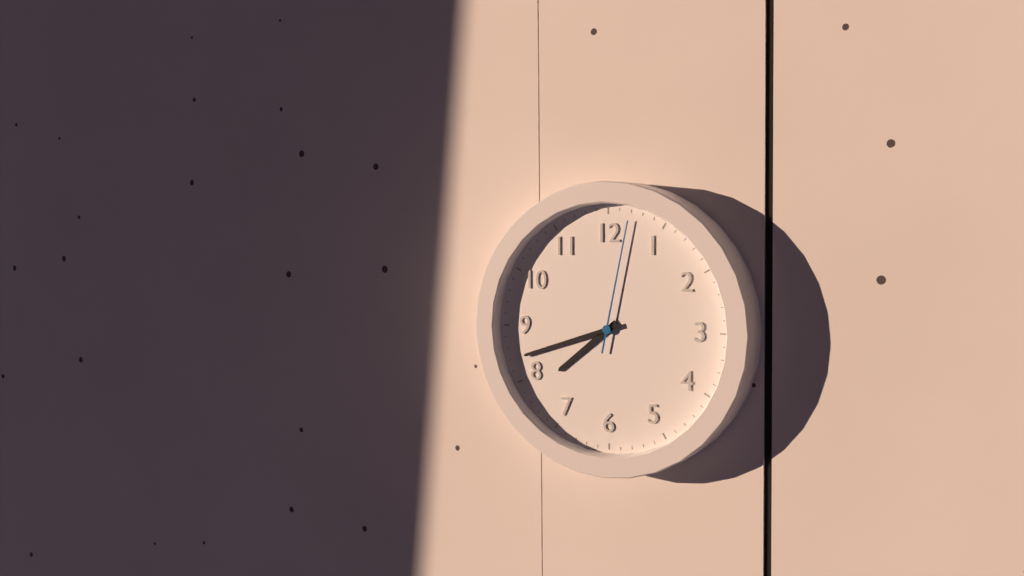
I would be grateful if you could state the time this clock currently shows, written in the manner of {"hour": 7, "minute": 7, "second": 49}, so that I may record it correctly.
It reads {"hour": 7, "minute": 42, "second": 2}
